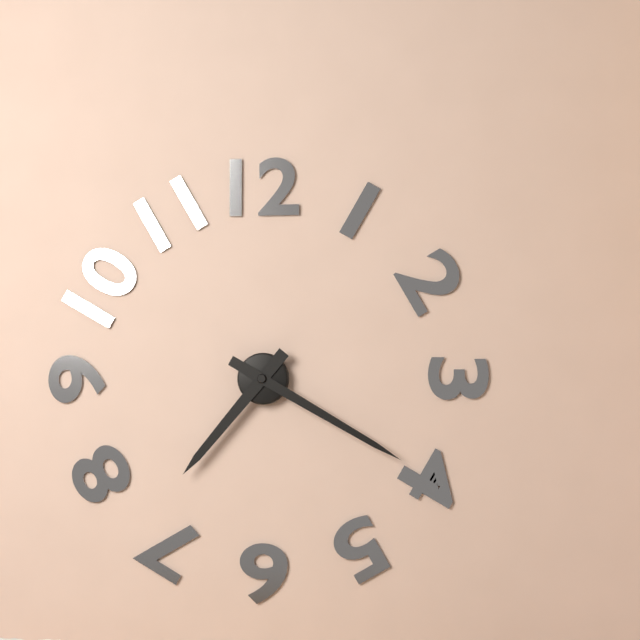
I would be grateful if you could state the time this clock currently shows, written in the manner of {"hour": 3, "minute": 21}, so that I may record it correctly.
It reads {"hour": 7, "minute": 20}
